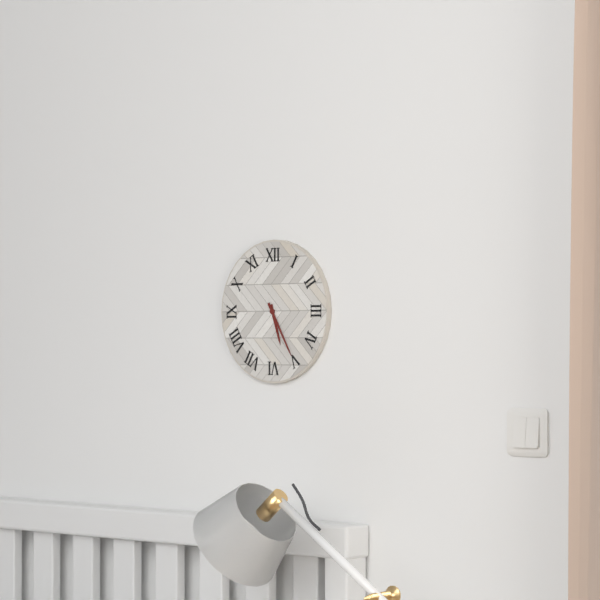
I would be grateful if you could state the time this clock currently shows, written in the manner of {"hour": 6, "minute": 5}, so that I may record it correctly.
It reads {"hour": 5, "minute": 25}
